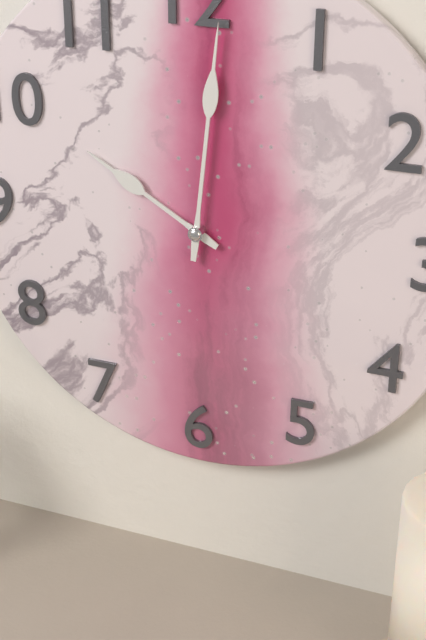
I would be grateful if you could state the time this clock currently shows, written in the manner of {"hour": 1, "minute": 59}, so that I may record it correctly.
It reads {"hour": 10, "minute": 1}
